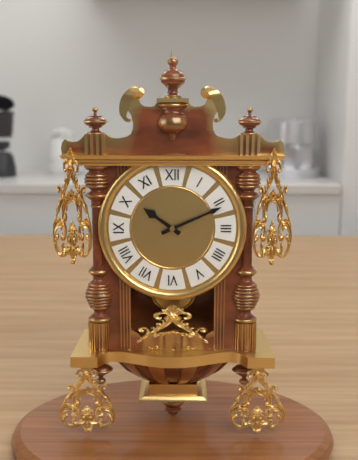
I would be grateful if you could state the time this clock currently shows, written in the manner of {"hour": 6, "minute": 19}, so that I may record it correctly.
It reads {"hour": 10, "minute": 11}
